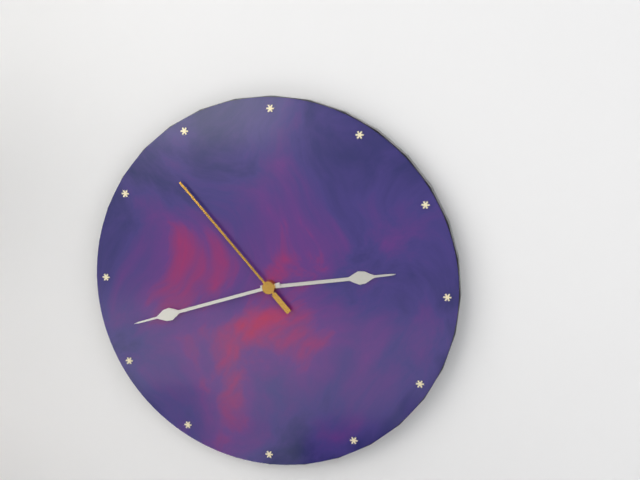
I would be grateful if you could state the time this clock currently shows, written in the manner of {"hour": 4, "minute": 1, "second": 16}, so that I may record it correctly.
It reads {"hour": 2, "minute": 42, "second": 53}
